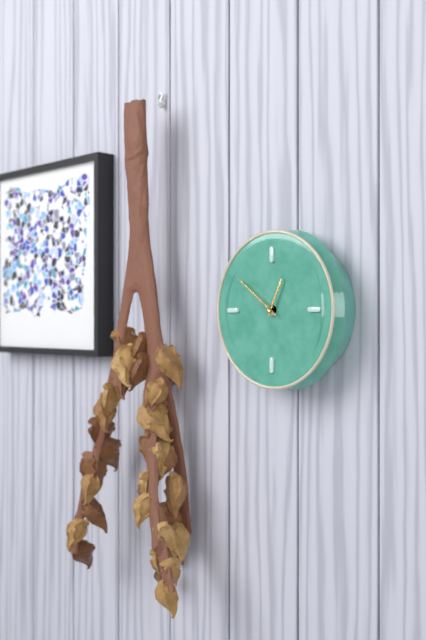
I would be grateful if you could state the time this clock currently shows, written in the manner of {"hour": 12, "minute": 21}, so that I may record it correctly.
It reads {"hour": 12, "minute": 51}
